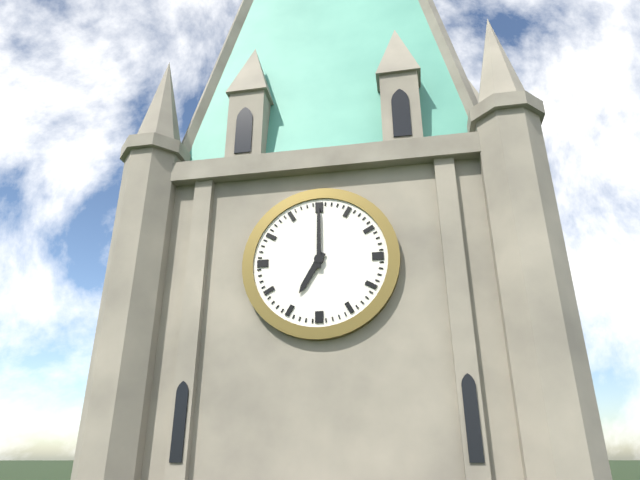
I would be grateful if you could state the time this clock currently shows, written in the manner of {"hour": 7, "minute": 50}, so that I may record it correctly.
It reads {"hour": 7, "minute": 0}
